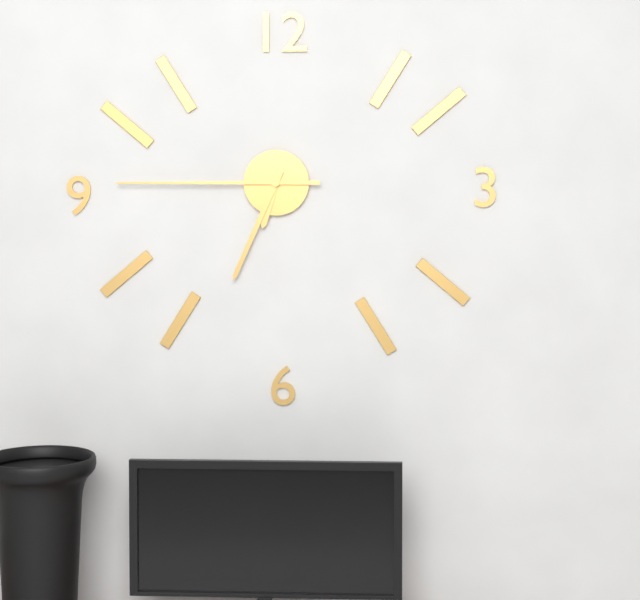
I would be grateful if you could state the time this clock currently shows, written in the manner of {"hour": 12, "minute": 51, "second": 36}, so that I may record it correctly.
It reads {"hour": 6, "minute": 34, "second": 45}
